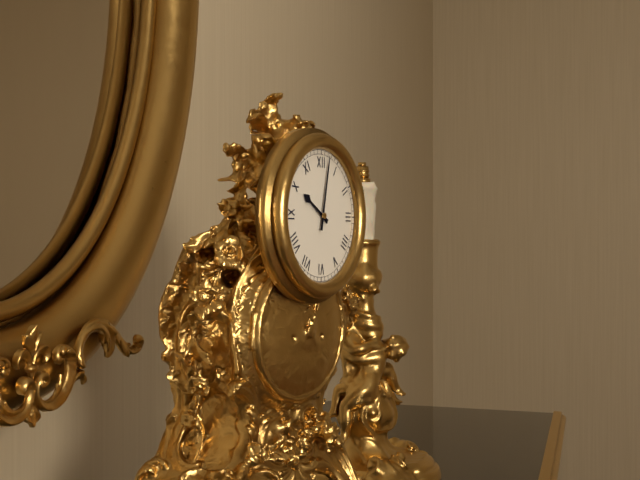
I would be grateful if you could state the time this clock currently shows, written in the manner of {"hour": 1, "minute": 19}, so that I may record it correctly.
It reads {"hour": 10, "minute": 2}
